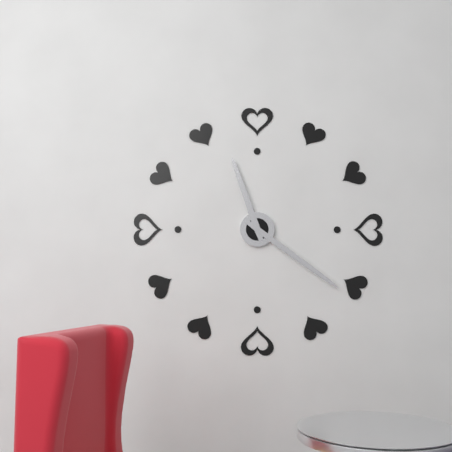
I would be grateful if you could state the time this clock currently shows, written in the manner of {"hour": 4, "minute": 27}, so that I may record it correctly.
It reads {"hour": 11, "minute": 21}
